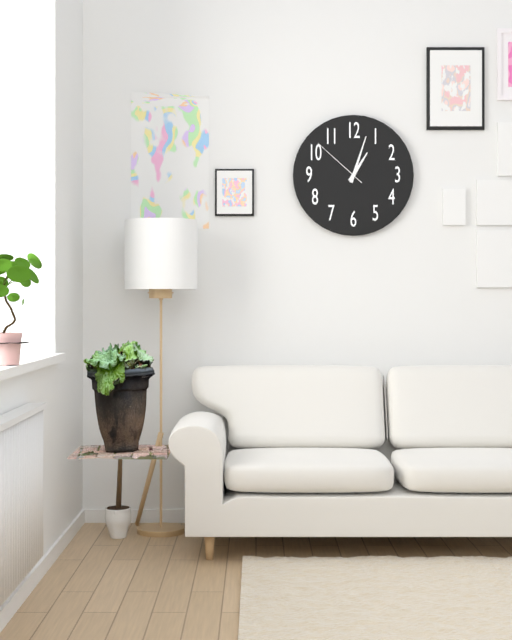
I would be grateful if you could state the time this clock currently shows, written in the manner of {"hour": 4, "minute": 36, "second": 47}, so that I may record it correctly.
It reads {"hour": 1, "minute": 3, "second": 52}
